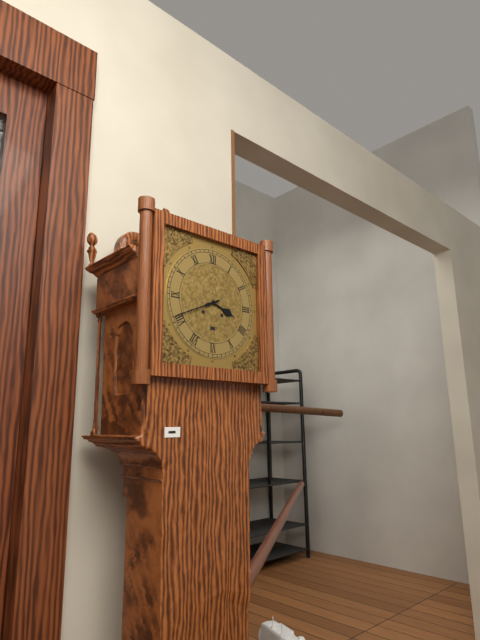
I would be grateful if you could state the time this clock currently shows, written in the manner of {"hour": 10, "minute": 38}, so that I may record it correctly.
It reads {"hour": 3, "minute": 41}
